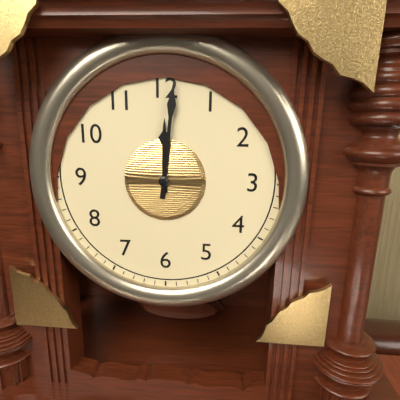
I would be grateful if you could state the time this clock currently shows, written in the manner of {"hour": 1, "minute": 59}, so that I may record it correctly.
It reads {"hour": 12, "minute": 1}
